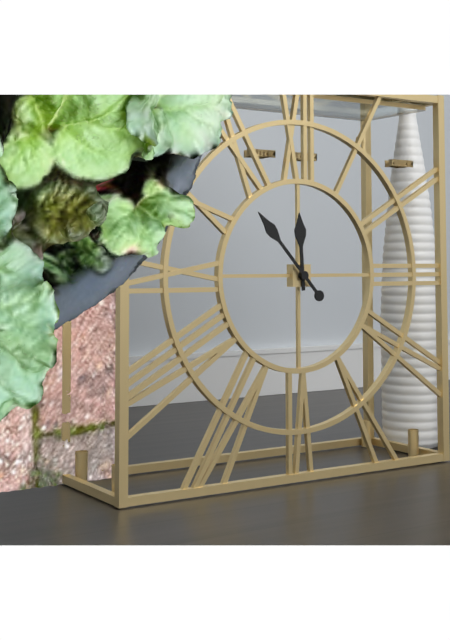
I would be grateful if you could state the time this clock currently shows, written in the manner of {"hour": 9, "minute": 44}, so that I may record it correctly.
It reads {"hour": 11, "minute": 53}
